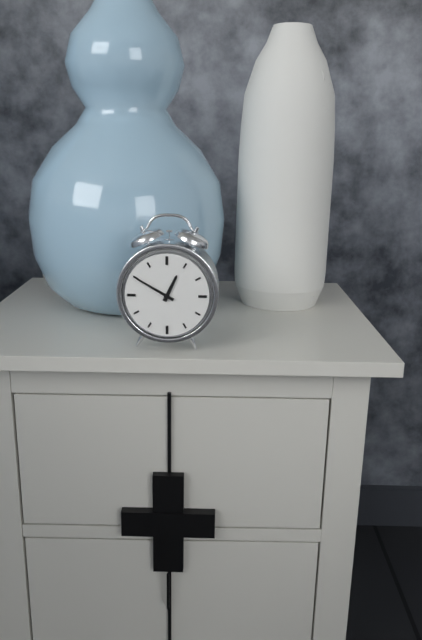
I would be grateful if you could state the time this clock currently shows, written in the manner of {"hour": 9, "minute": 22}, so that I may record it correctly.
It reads {"hour": 12, "minute": 50}
